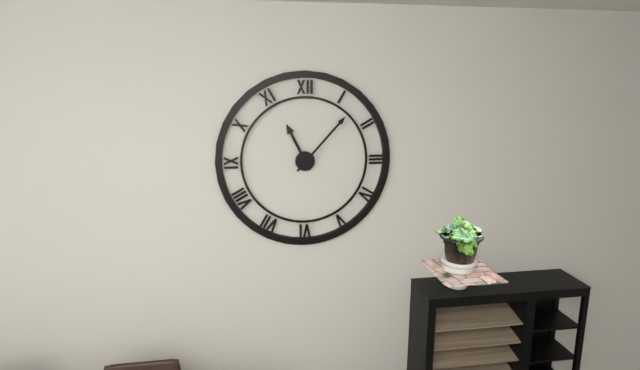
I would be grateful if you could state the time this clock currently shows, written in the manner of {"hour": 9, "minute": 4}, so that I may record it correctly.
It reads {"hour": 11, "minute": 7}
